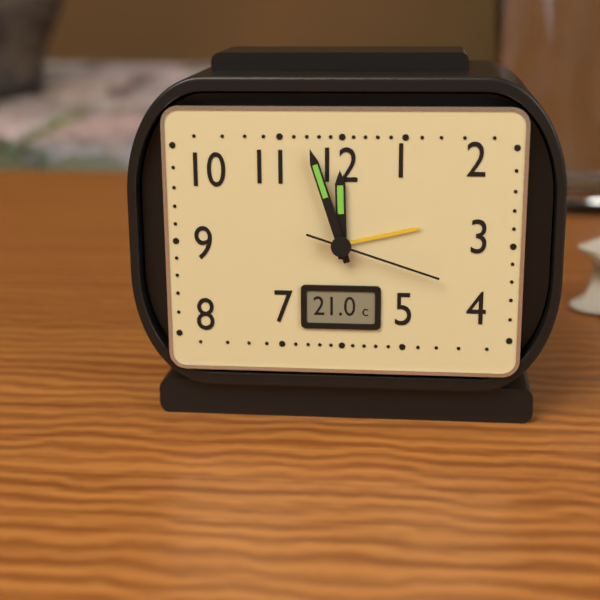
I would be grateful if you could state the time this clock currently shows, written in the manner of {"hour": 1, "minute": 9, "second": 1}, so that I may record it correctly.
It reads {"hour": 11, "minute": 57, "second": 18}
